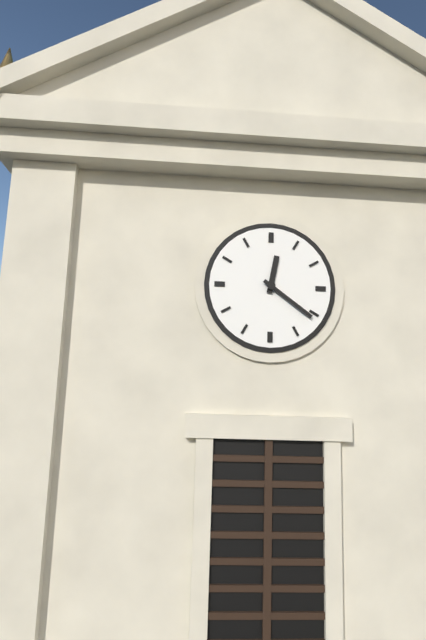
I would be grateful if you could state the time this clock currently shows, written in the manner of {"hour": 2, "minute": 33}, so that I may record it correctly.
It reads {"hour": 12, "minute": 21}
